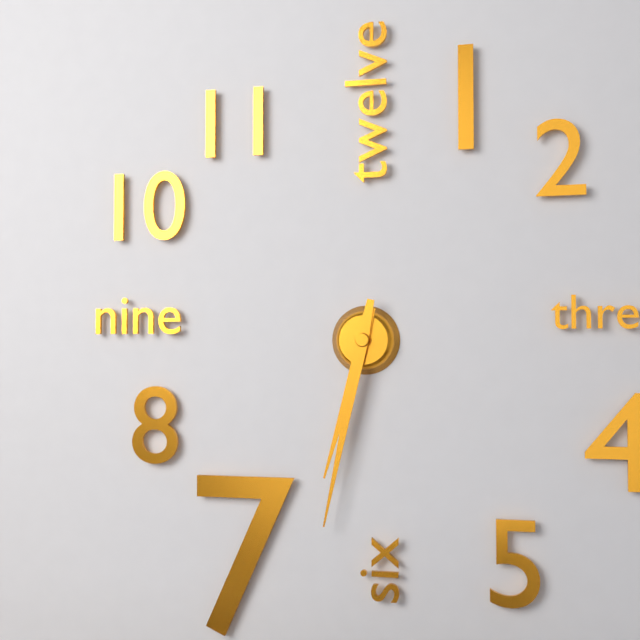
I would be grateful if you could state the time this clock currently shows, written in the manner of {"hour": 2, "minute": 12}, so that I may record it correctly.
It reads {"hour": 6, "minute": 32}
